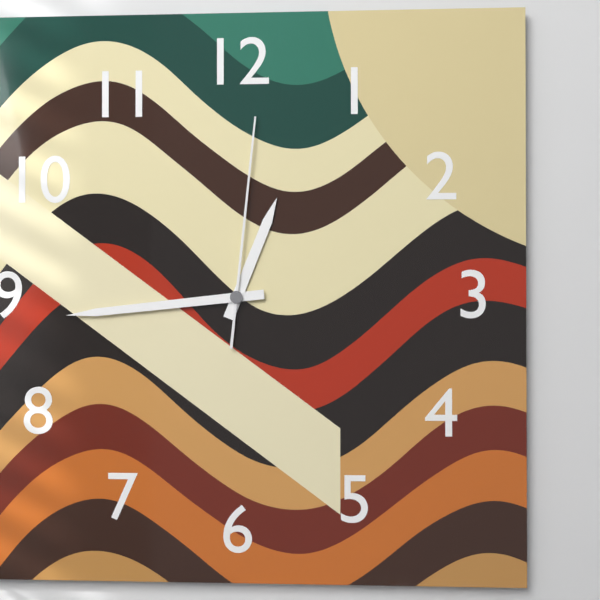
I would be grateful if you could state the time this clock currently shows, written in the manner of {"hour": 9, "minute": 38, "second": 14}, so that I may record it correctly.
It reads {"hour": 12, "minute": 44, "second": 1}
